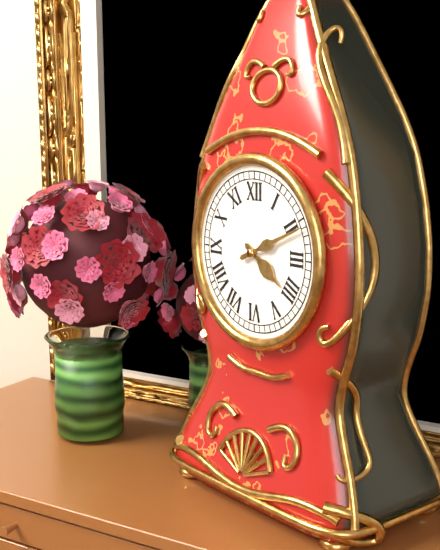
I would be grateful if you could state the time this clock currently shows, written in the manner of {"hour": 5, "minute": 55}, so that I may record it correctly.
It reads {"hour": 4, "minute": 11}
